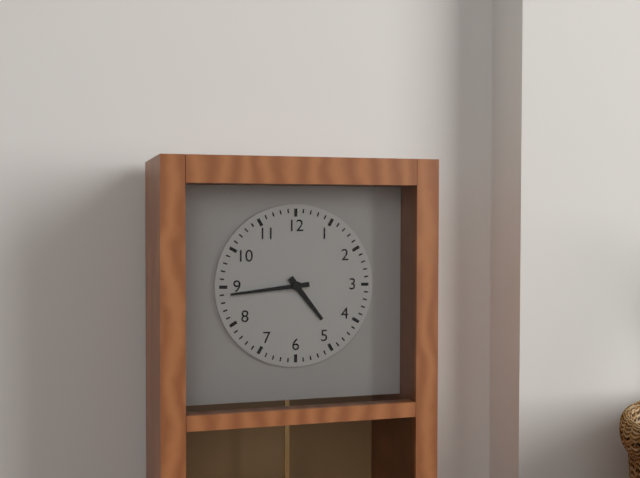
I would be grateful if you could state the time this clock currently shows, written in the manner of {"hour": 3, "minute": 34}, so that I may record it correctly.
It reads {"hour": 4, "minute": 44}
